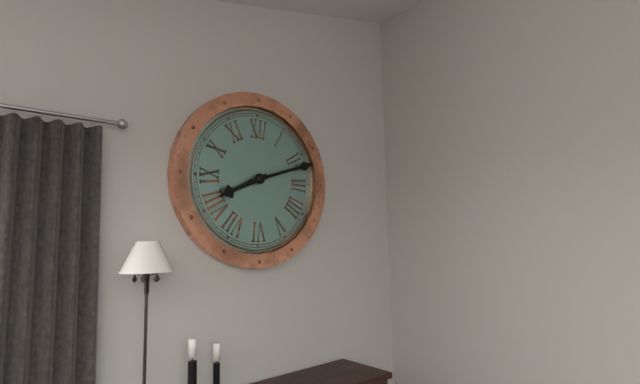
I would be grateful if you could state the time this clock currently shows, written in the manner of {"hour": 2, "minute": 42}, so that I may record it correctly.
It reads {"hour": 8, "minute": 12}
